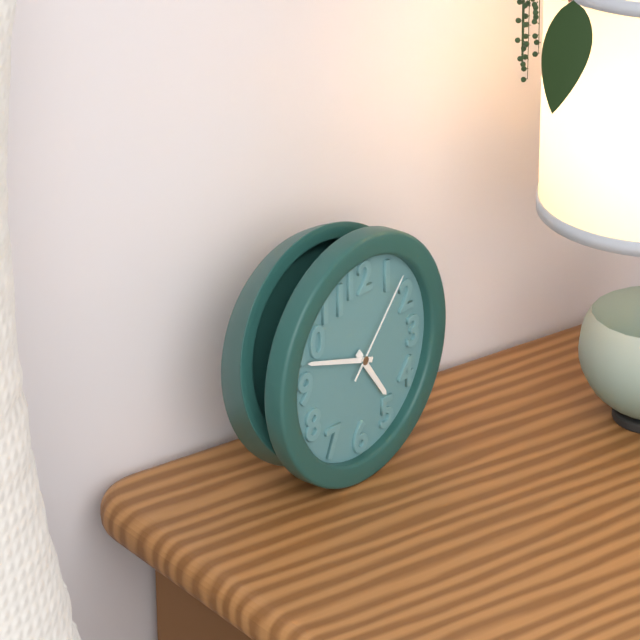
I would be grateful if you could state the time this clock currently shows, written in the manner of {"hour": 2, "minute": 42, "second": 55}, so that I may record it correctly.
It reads {"hour": 4, "minute": 48, "second": 7}
